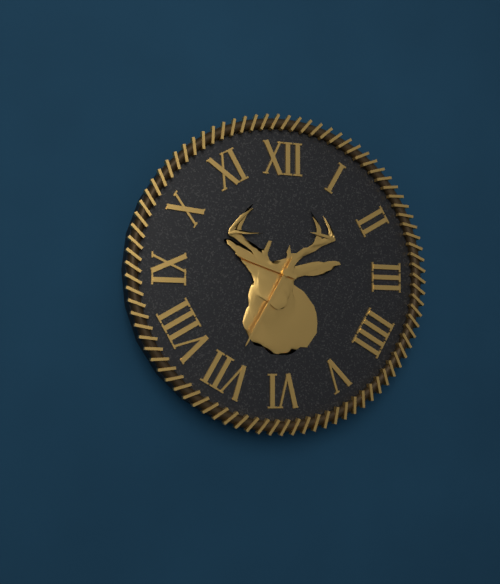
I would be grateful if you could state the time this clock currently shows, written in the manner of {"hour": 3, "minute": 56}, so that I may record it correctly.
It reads {"hour": 9, "minute": 35}
